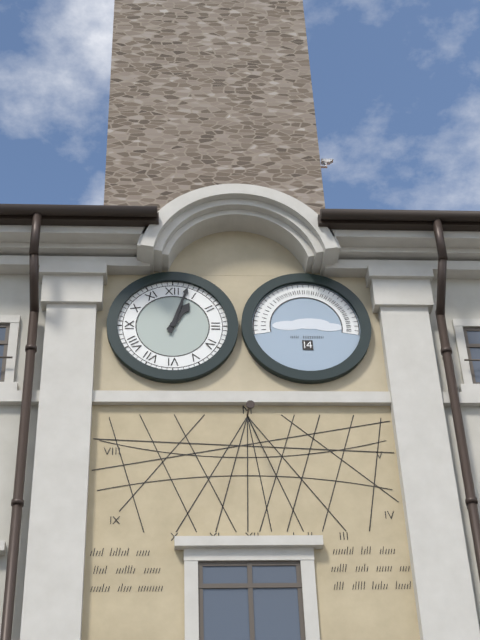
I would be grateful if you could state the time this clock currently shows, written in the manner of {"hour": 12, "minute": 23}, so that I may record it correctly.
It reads {"hour": 1, "minute": 3}
